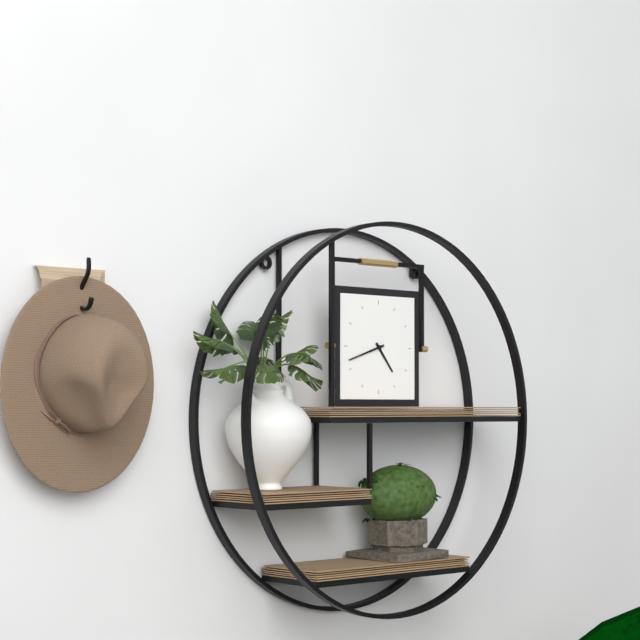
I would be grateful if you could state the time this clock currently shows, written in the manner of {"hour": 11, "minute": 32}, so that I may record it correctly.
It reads {"hour": 4, "minute": 42}
